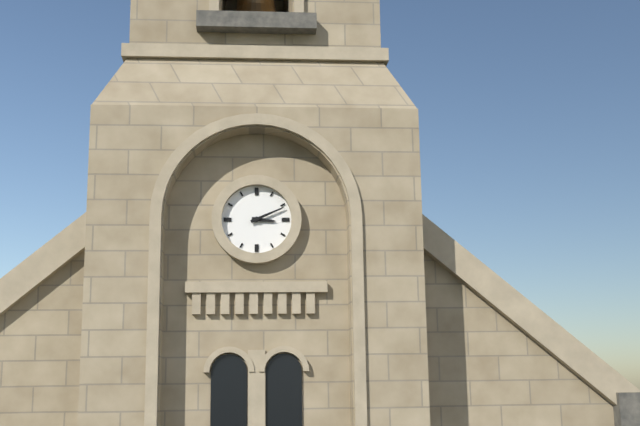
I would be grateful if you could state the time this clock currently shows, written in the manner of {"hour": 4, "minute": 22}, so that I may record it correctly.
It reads {"hour": 3, "minute": 11}
